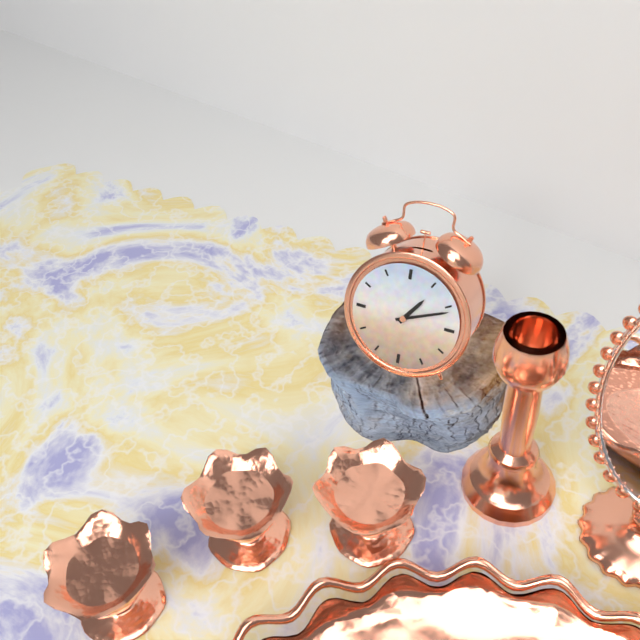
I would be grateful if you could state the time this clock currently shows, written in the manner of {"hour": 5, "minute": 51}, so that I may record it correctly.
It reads {"hour": 1, "minute": 11}
